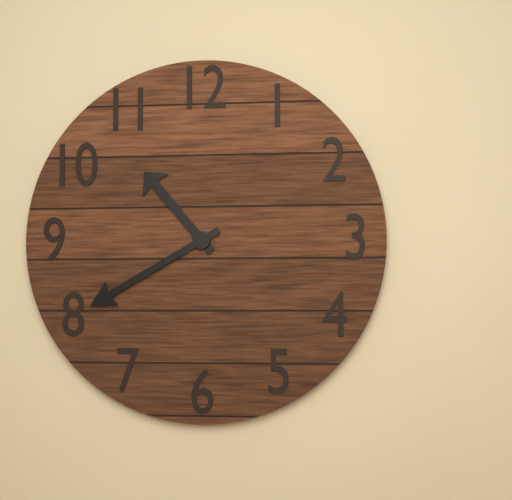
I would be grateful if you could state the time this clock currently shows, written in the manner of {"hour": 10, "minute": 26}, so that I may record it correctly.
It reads {"hour": 10, "minute": 40}
